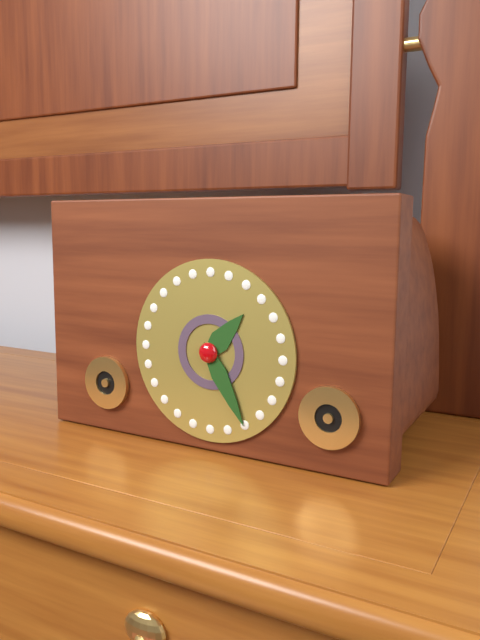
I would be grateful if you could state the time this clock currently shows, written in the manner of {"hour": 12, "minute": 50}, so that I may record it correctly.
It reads {"hour": 1, "minute": 25}
